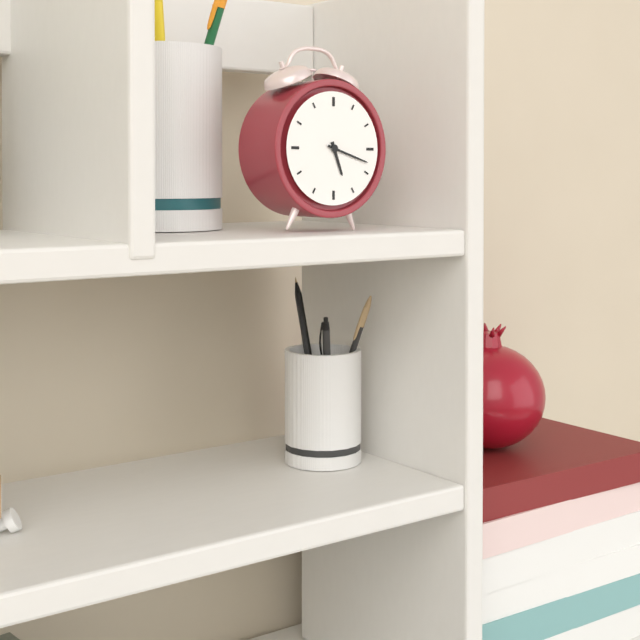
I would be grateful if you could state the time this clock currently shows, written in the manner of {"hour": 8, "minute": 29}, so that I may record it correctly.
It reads {"hour": 5, "minute": 18}
